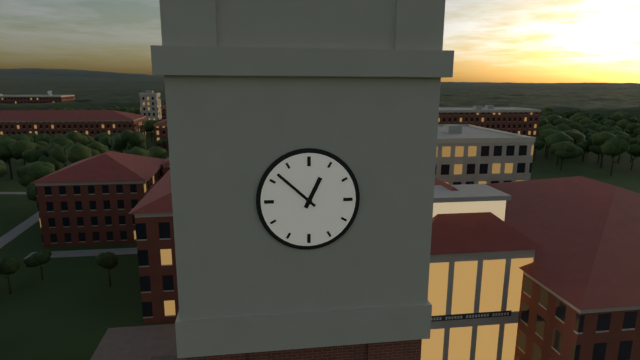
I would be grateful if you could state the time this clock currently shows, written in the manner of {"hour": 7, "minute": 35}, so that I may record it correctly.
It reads {"hour": 12, "minute": 52}
